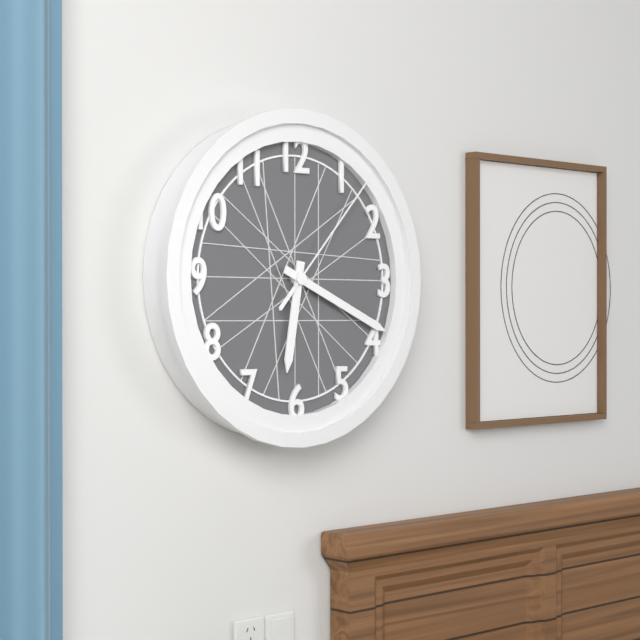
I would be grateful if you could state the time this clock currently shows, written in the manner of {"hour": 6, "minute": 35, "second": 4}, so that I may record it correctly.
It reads {"hour": 6, "minute": 19, "second": 7}
